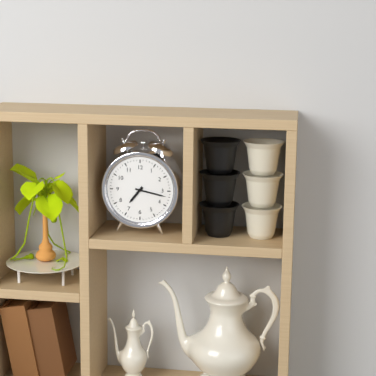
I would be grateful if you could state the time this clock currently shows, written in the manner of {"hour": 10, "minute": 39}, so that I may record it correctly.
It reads {"hour": 7, "minute": 17}
